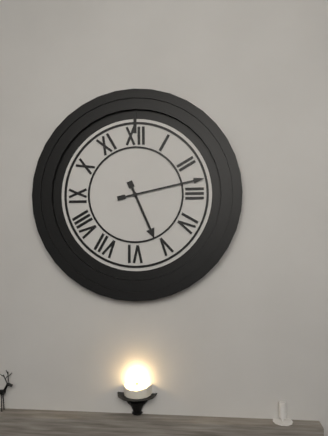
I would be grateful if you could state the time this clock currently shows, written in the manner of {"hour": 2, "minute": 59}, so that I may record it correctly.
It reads {"hour": 5, "minute": 13}
